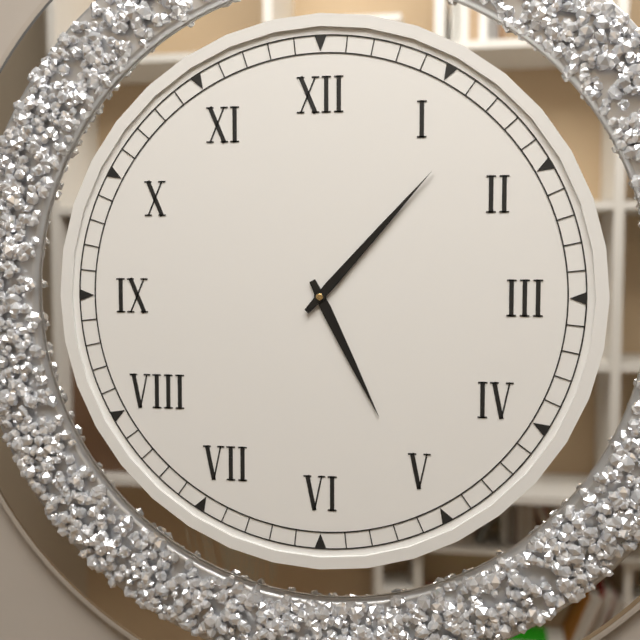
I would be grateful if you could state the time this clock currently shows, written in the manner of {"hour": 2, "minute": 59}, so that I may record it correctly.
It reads {"hour": 5, "minute": 7}
